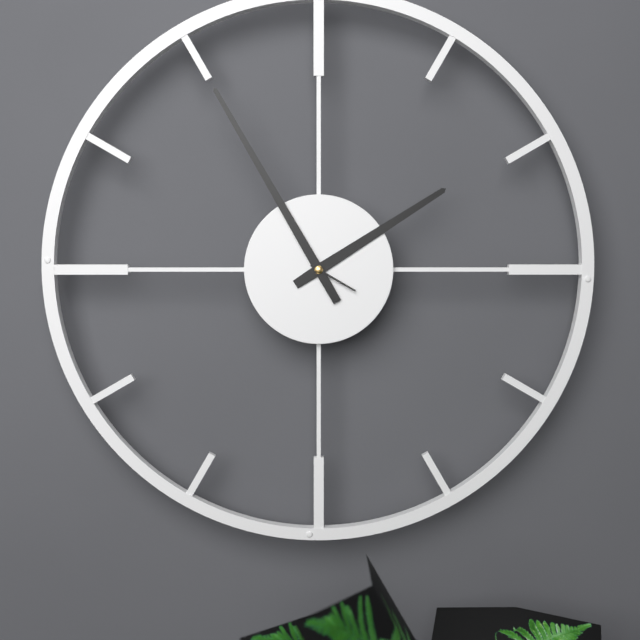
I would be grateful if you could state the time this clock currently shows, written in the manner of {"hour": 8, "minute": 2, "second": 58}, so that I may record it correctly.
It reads {"hour": 1, "minute": 55, "second": 20}
